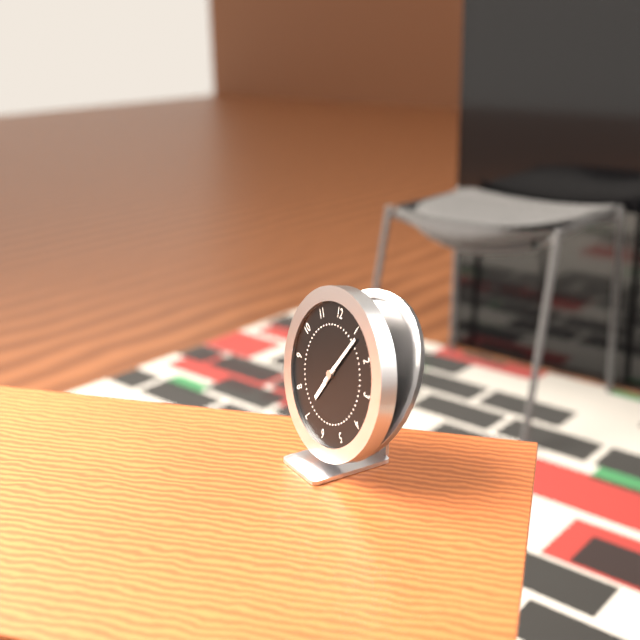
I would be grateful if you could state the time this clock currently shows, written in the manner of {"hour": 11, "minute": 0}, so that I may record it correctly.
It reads {"hour": 7, "minute": 6}
